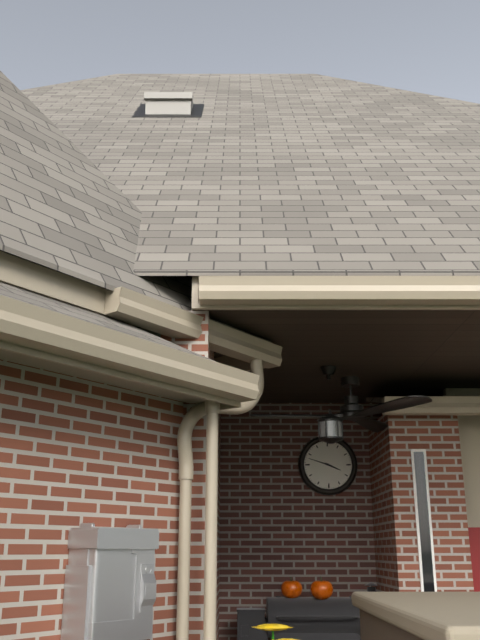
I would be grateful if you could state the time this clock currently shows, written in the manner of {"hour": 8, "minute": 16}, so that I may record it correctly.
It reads {"hour": 3, "minute": 48}
